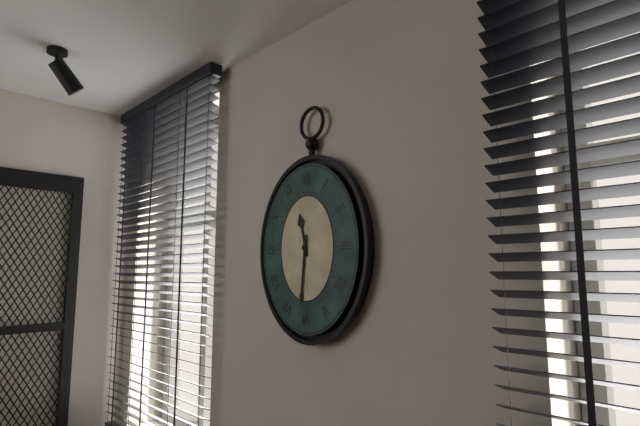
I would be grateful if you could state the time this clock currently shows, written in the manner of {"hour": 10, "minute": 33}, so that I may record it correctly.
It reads {"hour": 11, "minute": 31}
